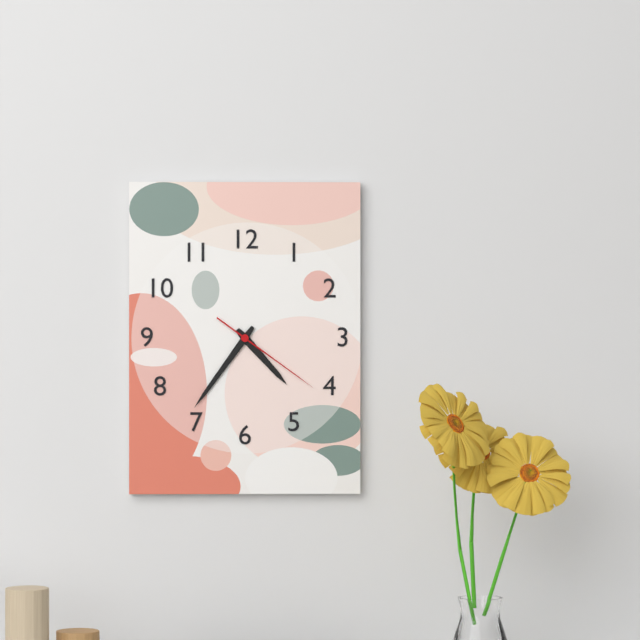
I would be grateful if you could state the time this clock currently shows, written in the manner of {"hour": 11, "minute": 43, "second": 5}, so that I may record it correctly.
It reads {"hour": 4, "minute": 36, "second": 21}
